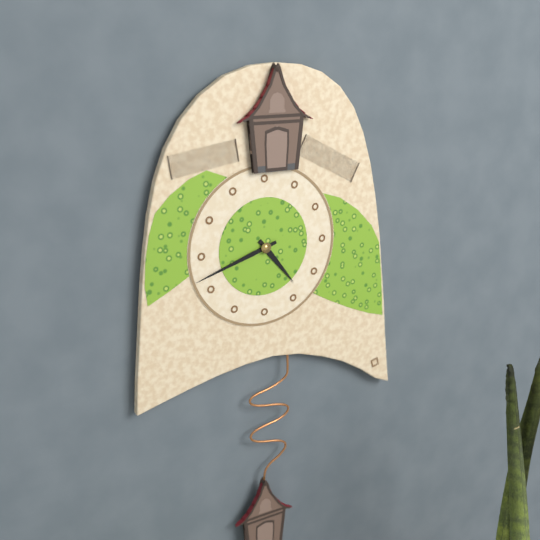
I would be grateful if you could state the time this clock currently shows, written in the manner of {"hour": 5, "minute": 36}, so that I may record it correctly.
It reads {"hour": 4, "minute": 42}
